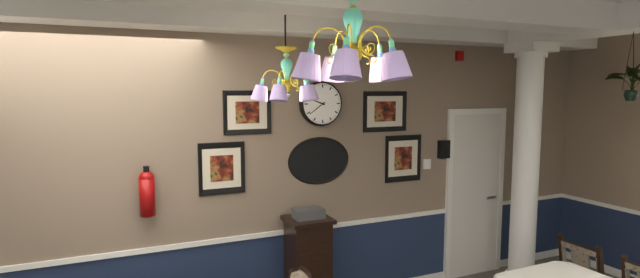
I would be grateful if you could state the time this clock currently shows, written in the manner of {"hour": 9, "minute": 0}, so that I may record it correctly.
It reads {"hour": 9, "minute": 39}
